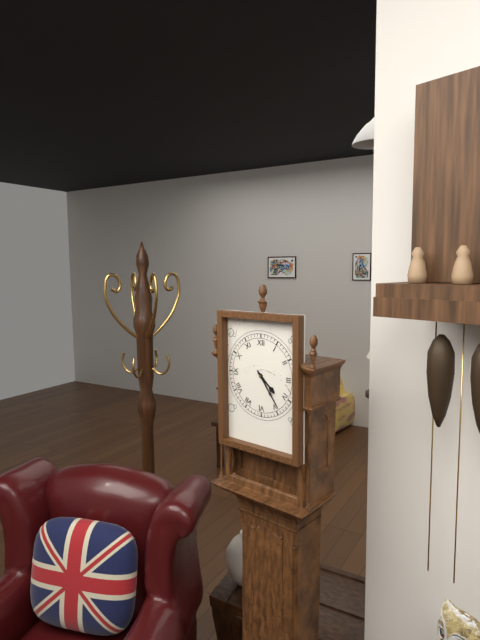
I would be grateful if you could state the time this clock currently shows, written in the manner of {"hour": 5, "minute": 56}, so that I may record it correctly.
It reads {"hour": 4, "minute": 24}
